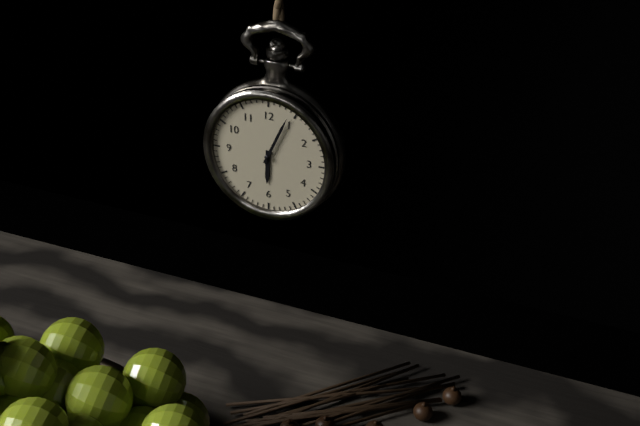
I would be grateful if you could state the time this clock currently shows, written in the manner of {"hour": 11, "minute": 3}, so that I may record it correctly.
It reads {"hour": 6, "minute": 4}
